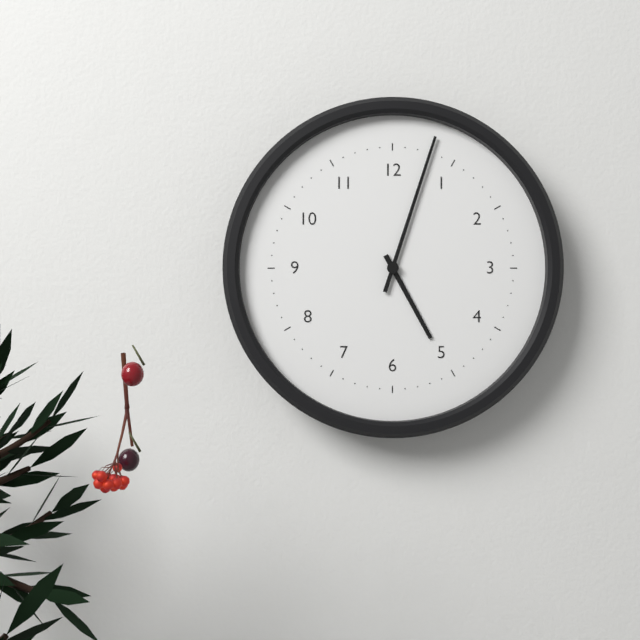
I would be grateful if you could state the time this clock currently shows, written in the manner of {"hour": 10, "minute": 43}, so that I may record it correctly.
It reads {"hour": 5, "minute": 3}
